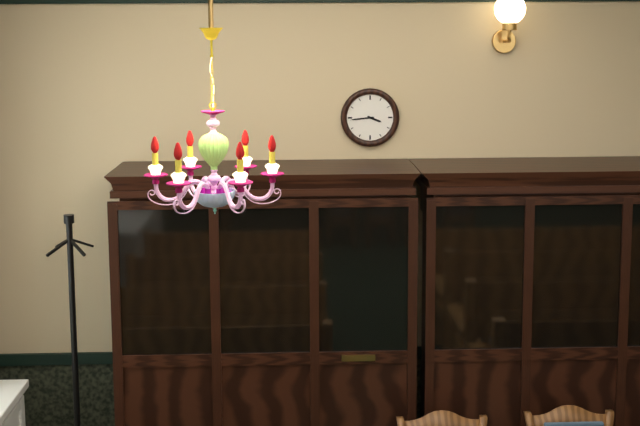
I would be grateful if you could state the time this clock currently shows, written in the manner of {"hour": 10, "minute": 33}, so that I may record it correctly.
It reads {"hour": 3, "minute": 44}
